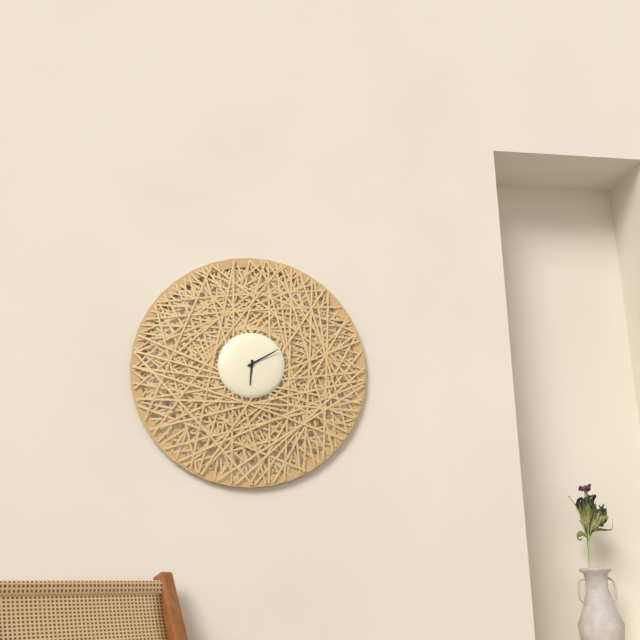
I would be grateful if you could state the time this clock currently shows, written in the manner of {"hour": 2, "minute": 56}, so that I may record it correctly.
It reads {"hour": 6, "minute": 10}
